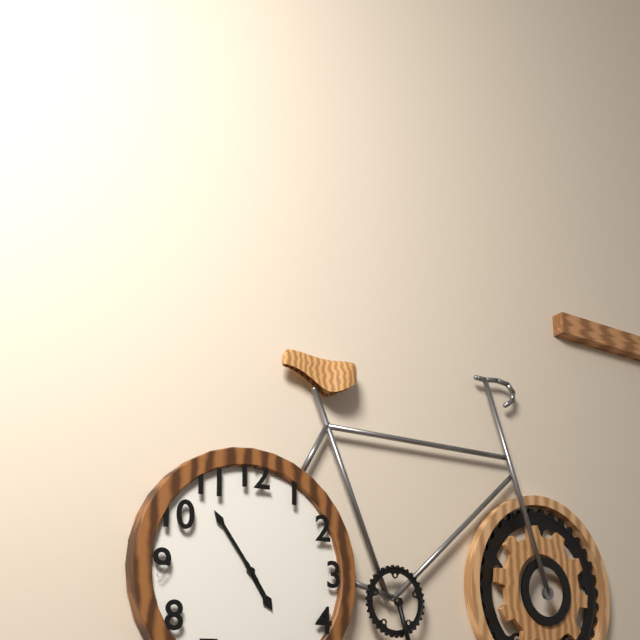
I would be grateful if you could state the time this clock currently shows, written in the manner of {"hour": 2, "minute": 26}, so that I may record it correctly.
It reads {"hour": 4, "minute": 54}
